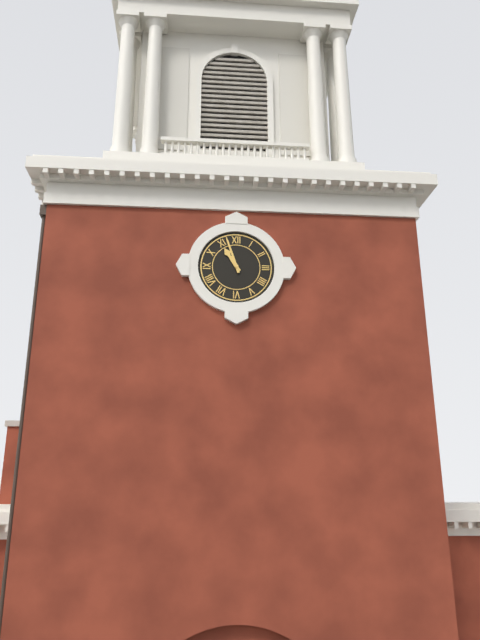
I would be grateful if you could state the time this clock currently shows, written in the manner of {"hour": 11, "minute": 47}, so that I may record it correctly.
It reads {"hour": 10, "minute": 57}
